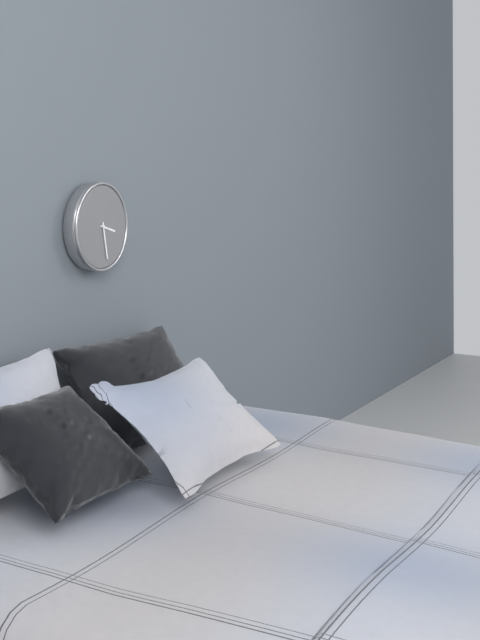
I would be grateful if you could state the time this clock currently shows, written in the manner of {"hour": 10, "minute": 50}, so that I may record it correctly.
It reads {"hour": 3, "minute": 28}
